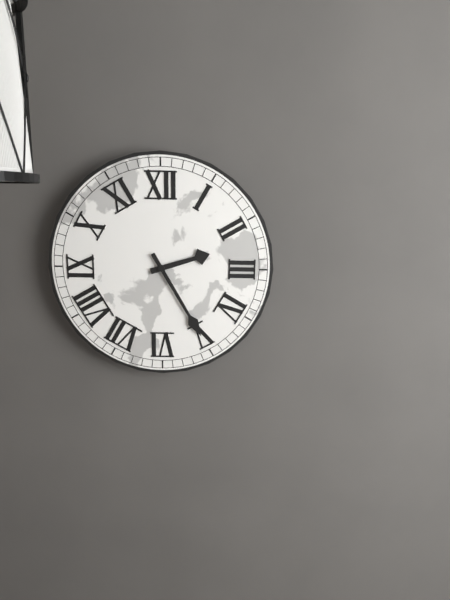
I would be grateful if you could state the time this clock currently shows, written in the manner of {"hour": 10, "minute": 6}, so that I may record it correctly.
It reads {"hour": 2, "minute": 25}
